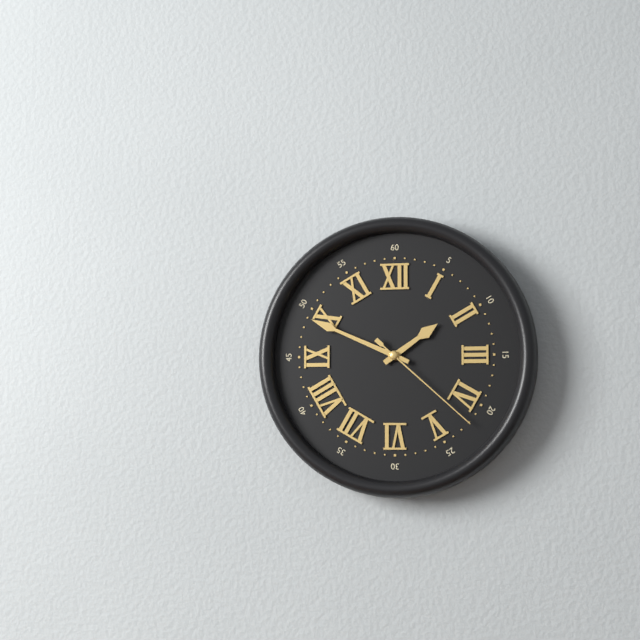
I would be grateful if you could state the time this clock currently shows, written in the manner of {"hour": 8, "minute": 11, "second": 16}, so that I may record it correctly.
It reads {"hour": 1, "minute": 49, "second": 22}
